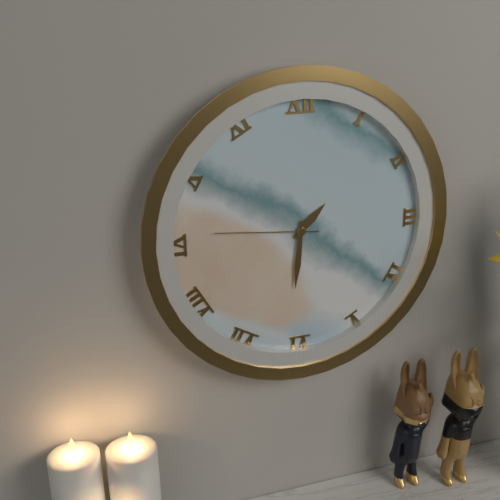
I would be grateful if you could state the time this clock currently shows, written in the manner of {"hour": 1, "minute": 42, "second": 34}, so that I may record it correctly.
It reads {"hour": 1, "minute": 31, "second": 46}
